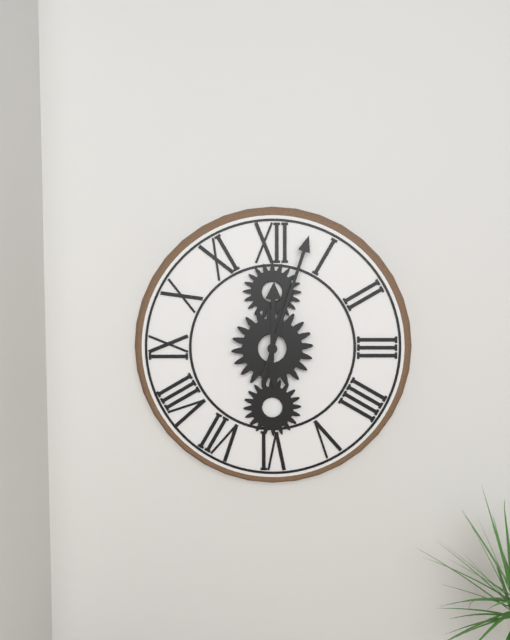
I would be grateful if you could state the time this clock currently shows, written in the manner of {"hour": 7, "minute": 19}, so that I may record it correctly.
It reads {"hour": 12, "minute": 3}
